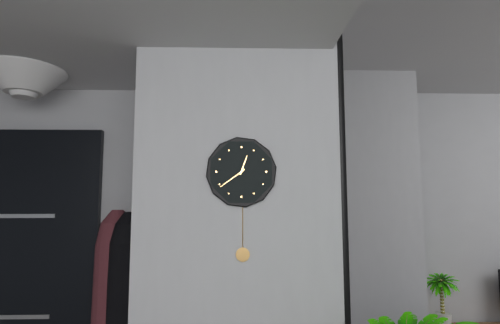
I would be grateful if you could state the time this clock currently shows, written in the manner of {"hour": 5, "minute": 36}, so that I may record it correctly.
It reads {"hour": 12, "minute": 39}
